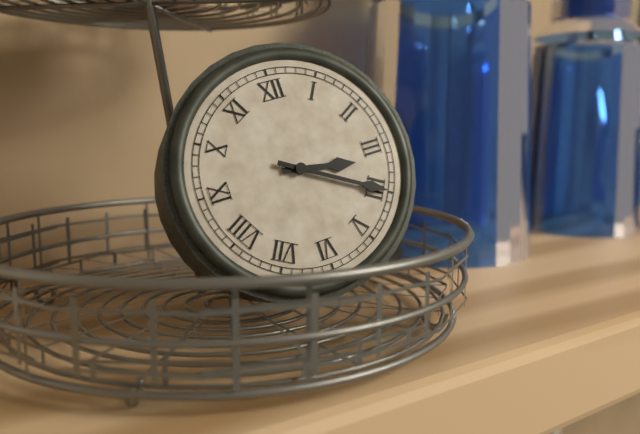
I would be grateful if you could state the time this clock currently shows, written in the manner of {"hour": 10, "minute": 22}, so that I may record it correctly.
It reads {"hour": 3, "minute": 20}
